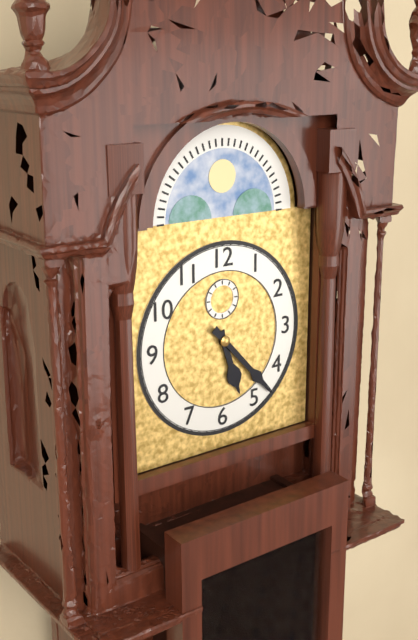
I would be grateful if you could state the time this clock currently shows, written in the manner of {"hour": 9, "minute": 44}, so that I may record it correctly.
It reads {"hour": 5, "minute": 23}
